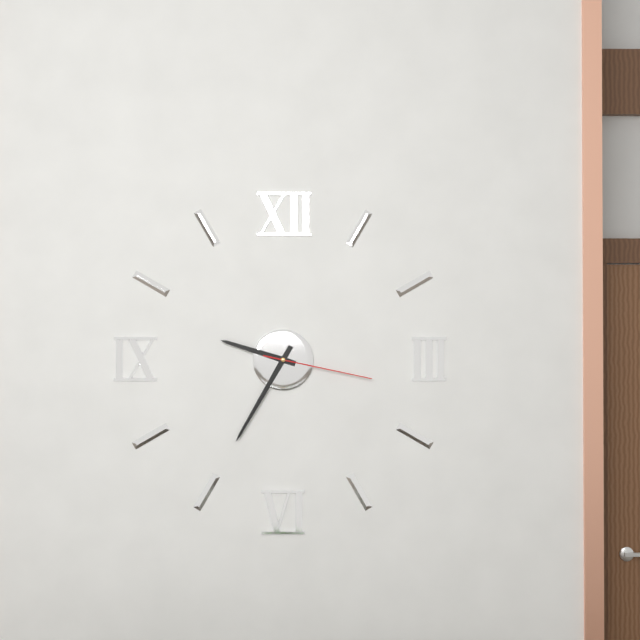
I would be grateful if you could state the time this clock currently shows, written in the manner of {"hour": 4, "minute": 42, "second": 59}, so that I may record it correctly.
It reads {"hour": 9, "minute": 35, "second": 17}
